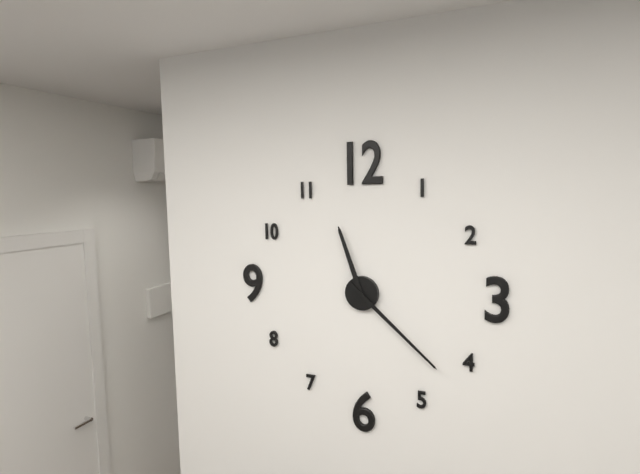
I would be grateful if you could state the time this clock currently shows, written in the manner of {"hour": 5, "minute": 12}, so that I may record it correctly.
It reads {"hour": 11, "minute": 22}
